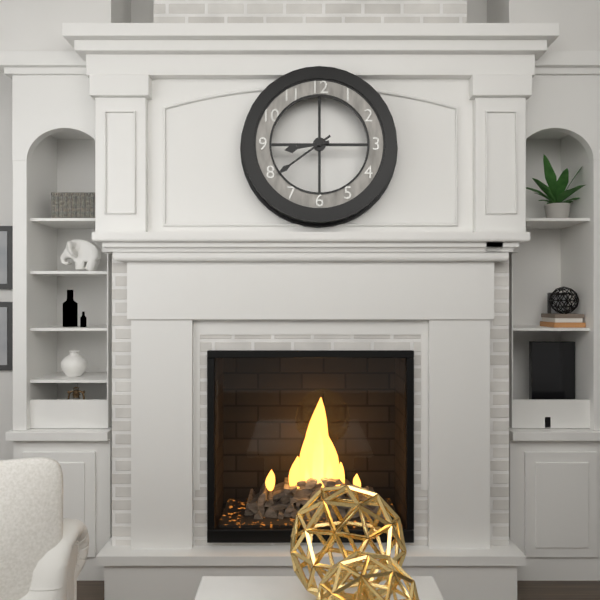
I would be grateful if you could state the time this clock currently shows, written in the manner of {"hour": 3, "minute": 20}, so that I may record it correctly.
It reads {"hour": 8, "minute": 39}
